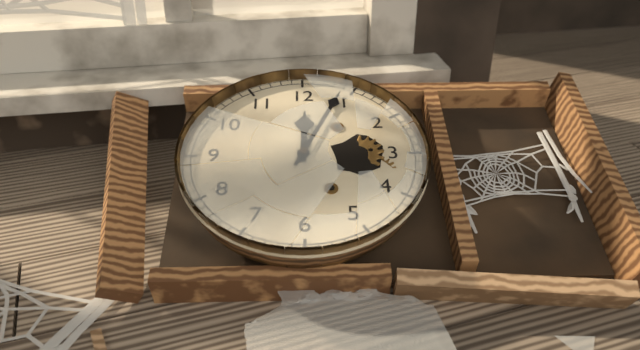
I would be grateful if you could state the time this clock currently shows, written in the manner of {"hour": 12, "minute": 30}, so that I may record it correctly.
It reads {"hour": 12, "minute": 4}
